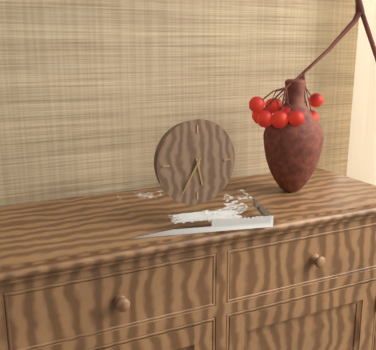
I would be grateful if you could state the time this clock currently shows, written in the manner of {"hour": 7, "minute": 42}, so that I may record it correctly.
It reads {"hour": 5, "minute": 35}
